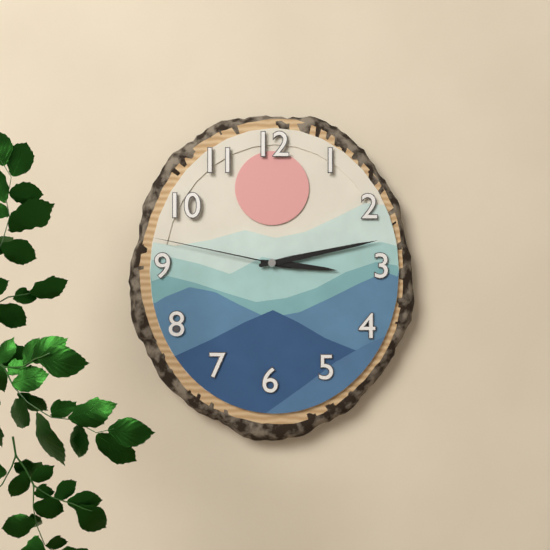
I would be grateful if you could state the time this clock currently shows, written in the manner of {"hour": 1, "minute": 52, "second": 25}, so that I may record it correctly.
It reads {"hour": 3, "minute": 13, "second": 47}
